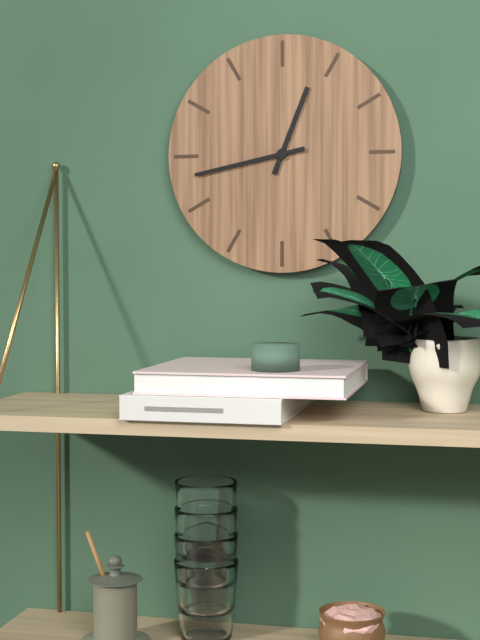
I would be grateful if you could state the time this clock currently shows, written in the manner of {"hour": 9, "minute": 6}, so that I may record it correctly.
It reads {"hour": 12, "minute": 43}
